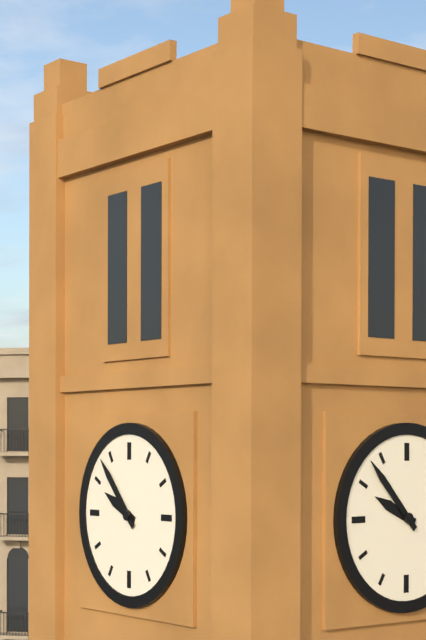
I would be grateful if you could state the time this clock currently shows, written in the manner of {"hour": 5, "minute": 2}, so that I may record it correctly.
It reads {"hour": 9, "minute": 53}
